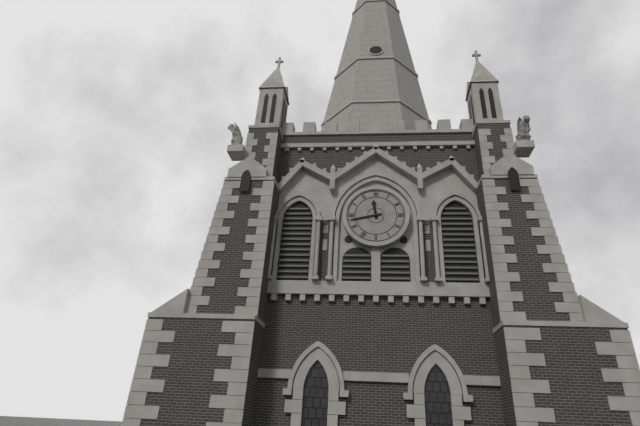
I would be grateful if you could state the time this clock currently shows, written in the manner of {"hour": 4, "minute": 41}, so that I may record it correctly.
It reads {"hour": 11, "minute": 43}
